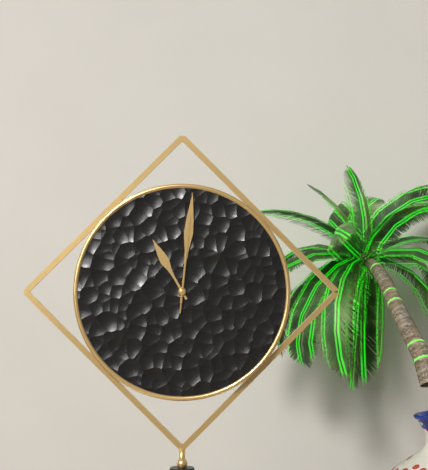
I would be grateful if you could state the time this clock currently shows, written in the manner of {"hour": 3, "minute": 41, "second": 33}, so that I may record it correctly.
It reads {"hour": 11, "minute": 1, "second": 1}
